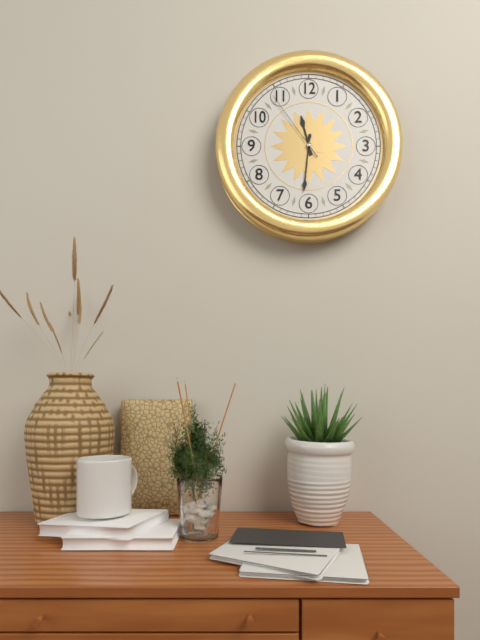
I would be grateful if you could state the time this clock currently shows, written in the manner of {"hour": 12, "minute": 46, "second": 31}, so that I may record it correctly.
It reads {"hour": 11, "minute": 31, "second": 54}
